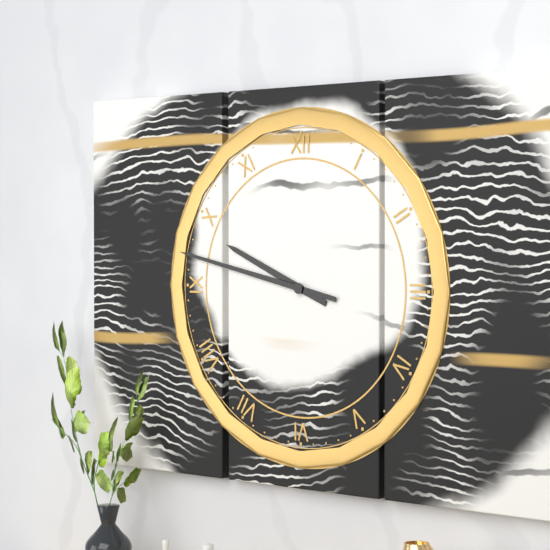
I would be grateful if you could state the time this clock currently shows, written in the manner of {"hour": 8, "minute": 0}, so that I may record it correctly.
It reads {"hour": 9, "minute": 47}
